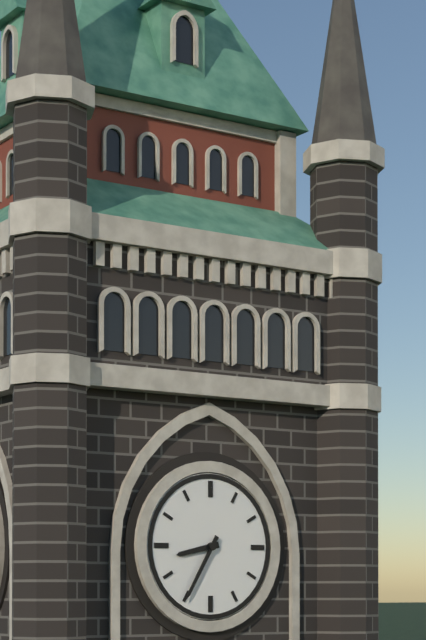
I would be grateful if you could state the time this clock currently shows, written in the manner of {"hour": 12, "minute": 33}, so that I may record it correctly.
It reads {"hour": 8, "minute": 35}
